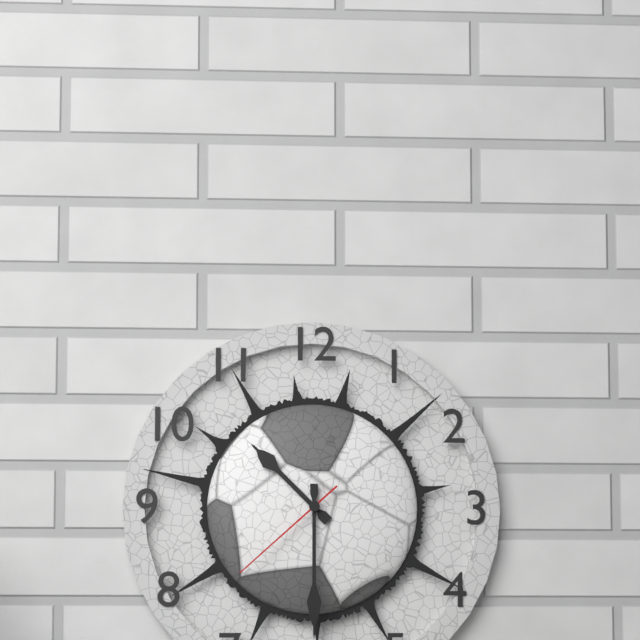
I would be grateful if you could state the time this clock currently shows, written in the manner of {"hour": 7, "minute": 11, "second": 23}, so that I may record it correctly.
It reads {"hour": 10, "minute": 30, "second": 38}
